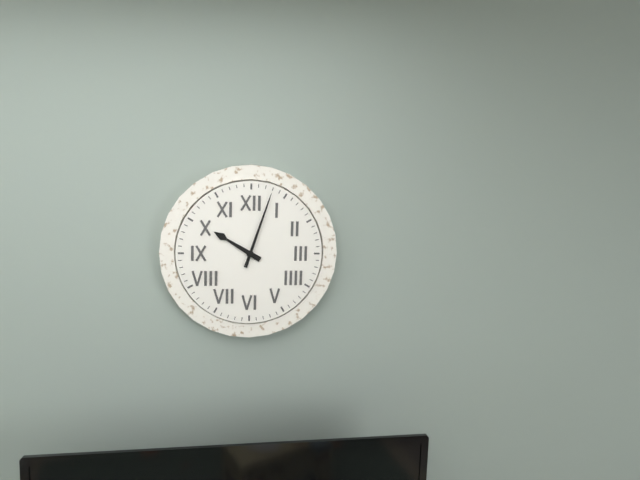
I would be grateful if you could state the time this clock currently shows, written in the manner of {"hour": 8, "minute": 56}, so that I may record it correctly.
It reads {"hour": 10, "minute": 3}
